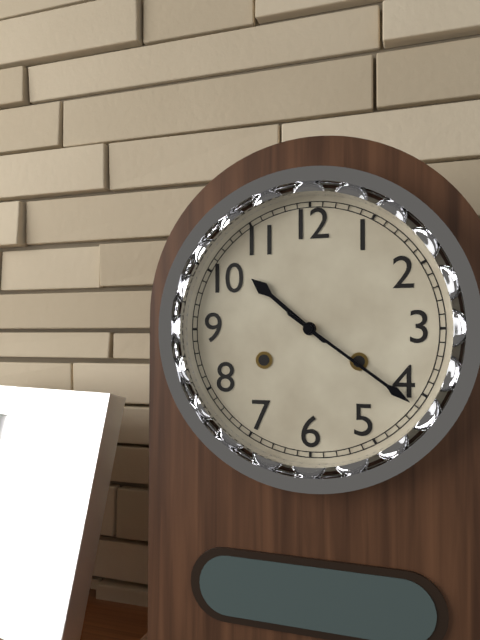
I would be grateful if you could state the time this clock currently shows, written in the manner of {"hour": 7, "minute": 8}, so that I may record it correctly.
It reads {"hour": 10, "minute": 21}
